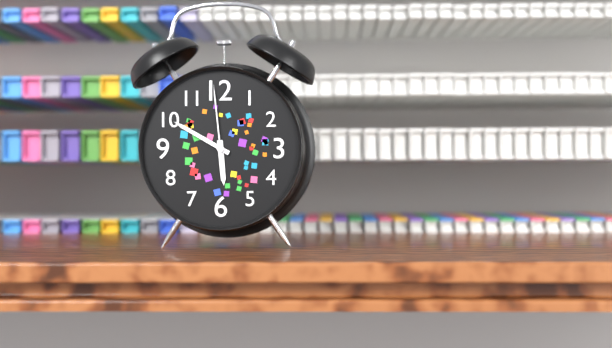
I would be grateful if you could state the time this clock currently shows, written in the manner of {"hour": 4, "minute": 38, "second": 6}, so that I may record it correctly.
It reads {"hour": 5, "minute": 50, "second": 59}
